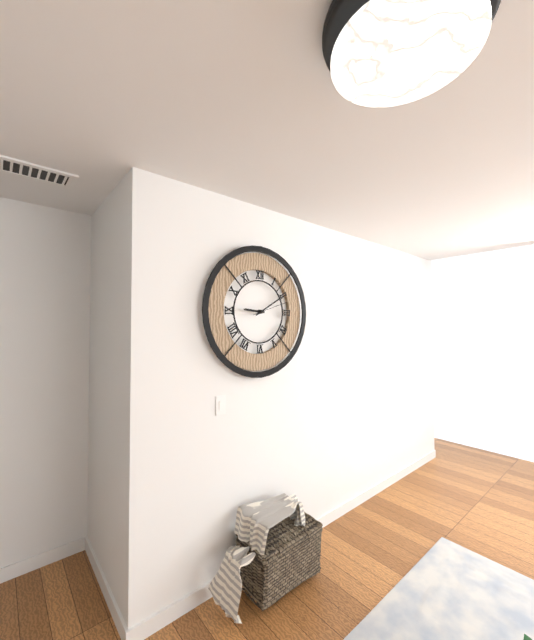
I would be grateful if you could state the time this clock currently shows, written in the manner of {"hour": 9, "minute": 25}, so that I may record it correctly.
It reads {"hour": 9, "minute": 10}
